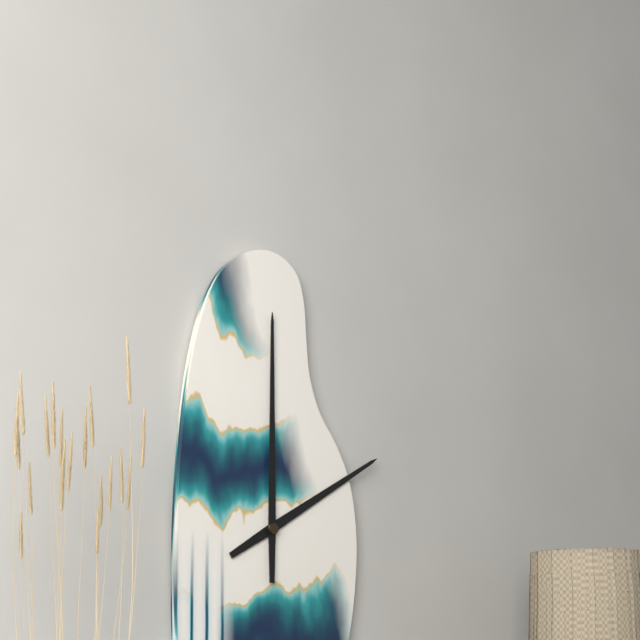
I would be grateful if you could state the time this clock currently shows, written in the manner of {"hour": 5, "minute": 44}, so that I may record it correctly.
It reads {"hour": 2, "minute": 0}
